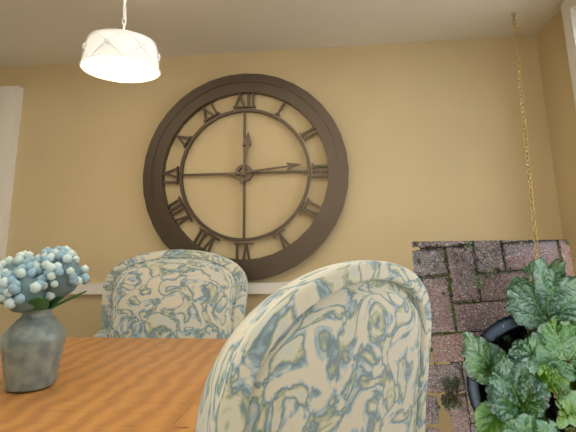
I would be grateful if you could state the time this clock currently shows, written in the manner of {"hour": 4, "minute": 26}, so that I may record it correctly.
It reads {"hour": 12, "minute": 14}
